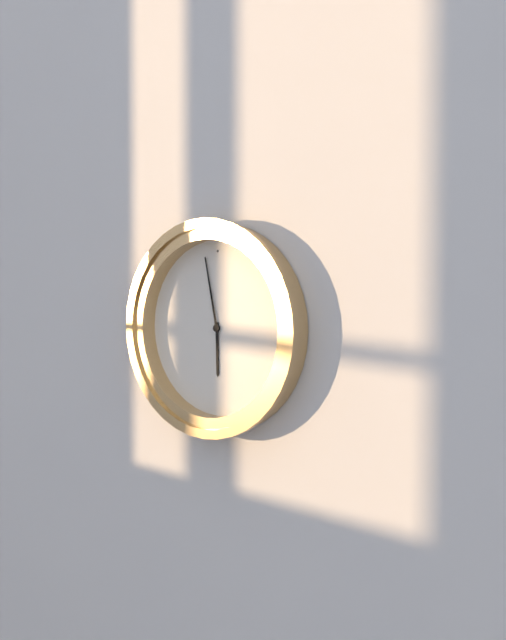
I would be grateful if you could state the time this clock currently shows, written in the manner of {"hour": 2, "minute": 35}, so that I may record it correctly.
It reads {"hour": 5, "minute": 58}
